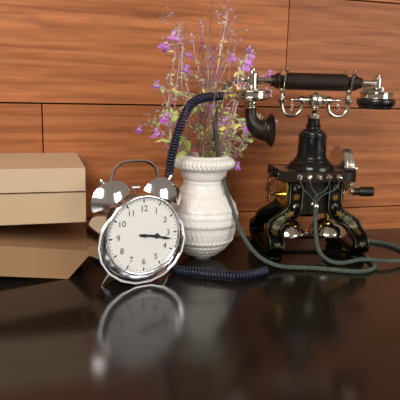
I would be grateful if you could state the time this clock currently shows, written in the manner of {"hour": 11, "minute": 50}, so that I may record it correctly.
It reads {"hour": 3, "minute": 17}
